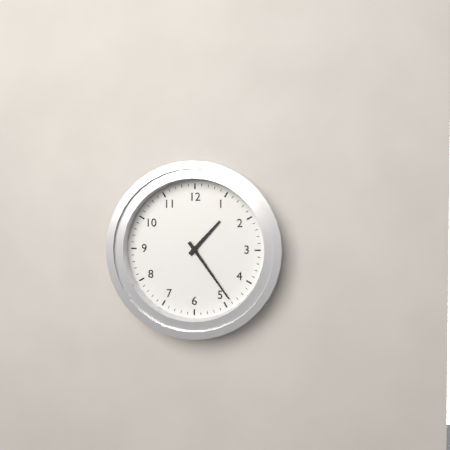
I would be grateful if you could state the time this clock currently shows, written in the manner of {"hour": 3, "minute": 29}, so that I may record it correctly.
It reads {"hour": 1, "minute": 24}
